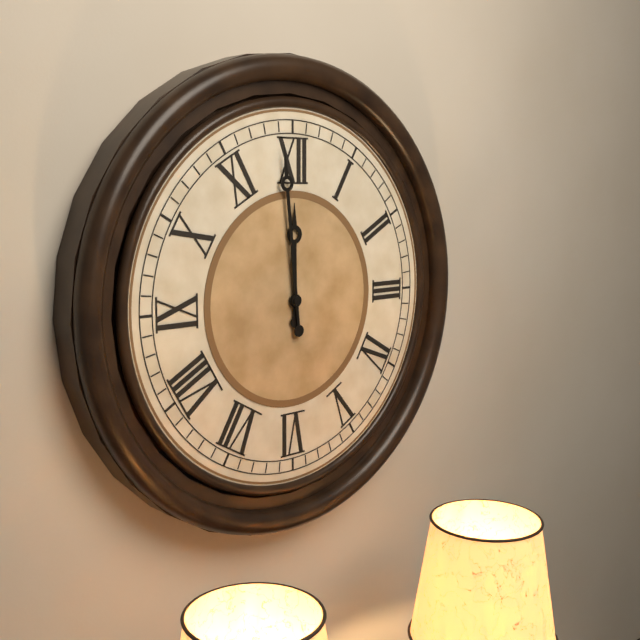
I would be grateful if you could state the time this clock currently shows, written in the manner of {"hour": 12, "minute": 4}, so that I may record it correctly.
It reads {"hour": 11, "minute": 59}
